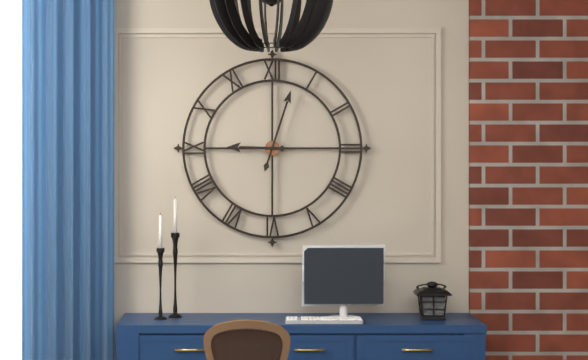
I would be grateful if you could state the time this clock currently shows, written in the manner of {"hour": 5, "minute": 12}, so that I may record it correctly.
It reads {"hour": 9, "minute": 3}
